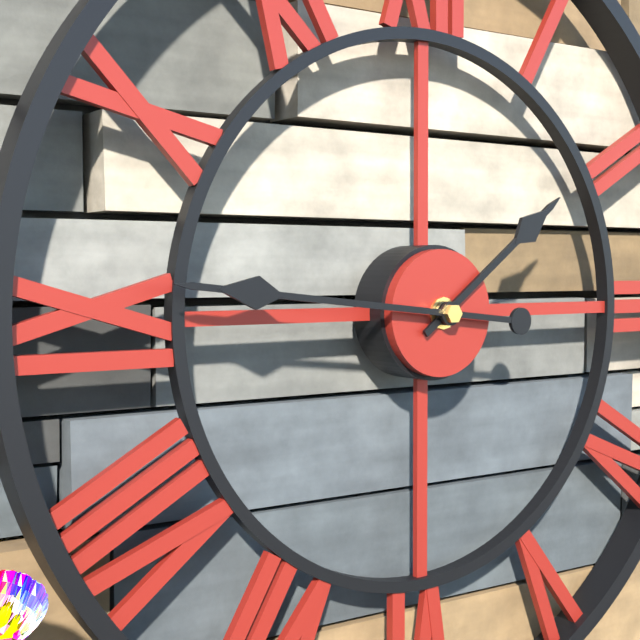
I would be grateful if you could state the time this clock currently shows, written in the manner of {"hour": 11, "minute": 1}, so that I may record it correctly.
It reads {"hour": 1, "minute": 46}
